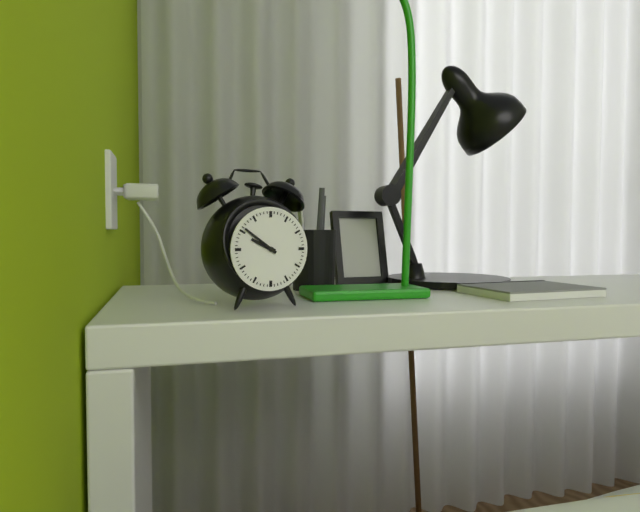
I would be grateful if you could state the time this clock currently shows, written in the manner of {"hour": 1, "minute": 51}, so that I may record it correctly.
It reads {"hour": 9, "minute": 51}
